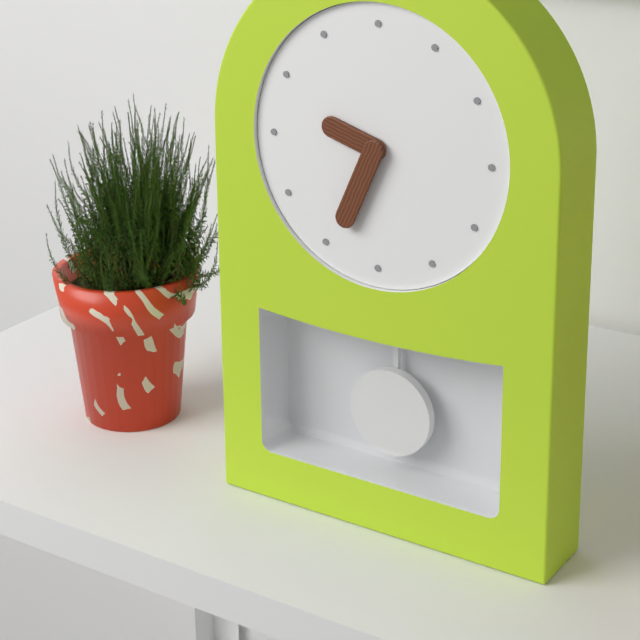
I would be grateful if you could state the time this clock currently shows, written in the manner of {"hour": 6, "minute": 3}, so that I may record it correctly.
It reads {"hour": 9, "minute": 34}
